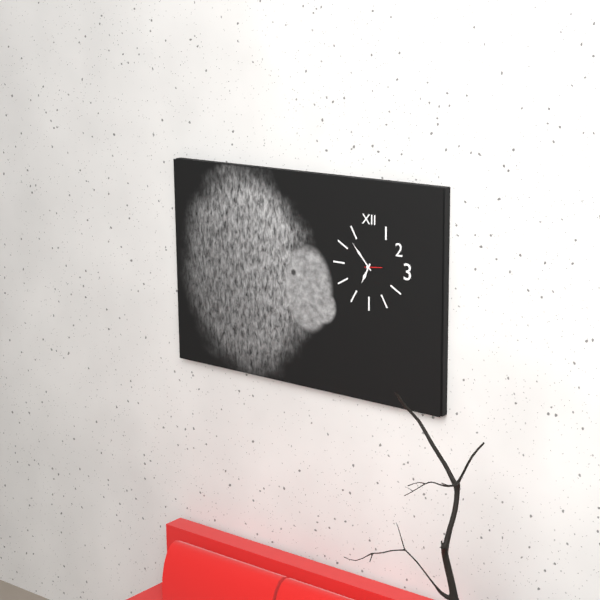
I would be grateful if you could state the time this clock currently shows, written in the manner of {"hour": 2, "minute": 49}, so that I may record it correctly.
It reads {"hour": 6, "minute": 53}
